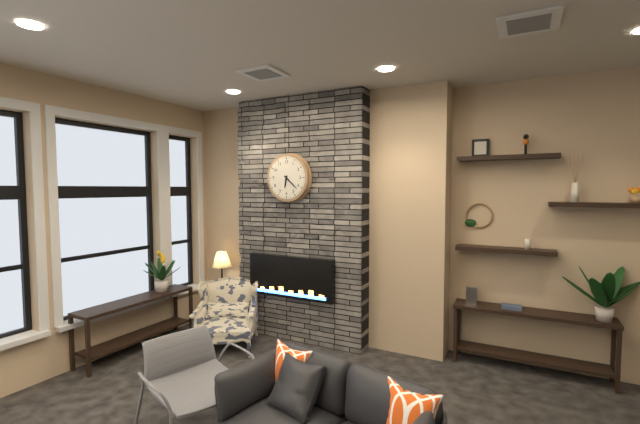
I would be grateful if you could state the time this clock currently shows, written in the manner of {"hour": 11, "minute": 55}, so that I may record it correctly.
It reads {"hour": 6, "minute": 22}
